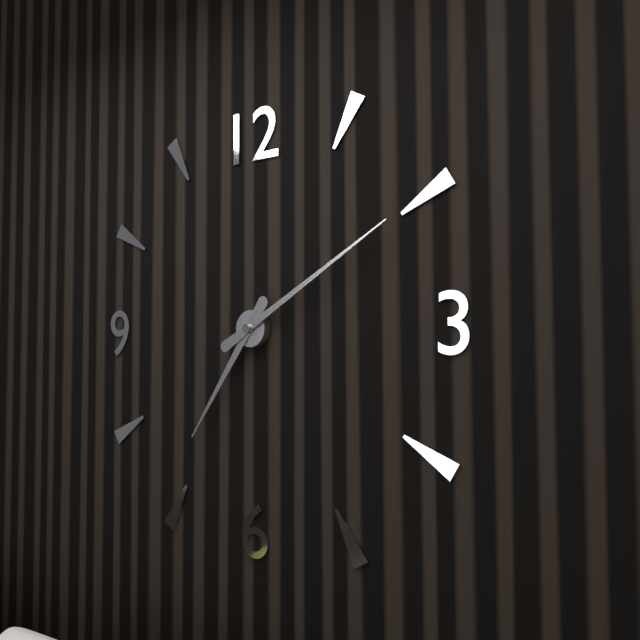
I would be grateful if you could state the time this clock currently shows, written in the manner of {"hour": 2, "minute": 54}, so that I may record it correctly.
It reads {"hour": 7, "minute": 10}
